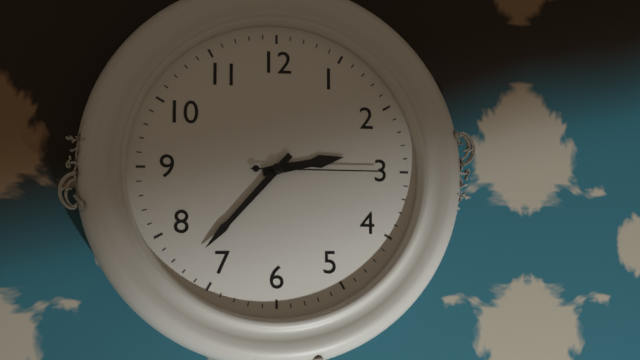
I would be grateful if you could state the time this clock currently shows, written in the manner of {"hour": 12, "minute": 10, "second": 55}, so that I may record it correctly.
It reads {"hour": 2, "minute": 37, "second": 15}
